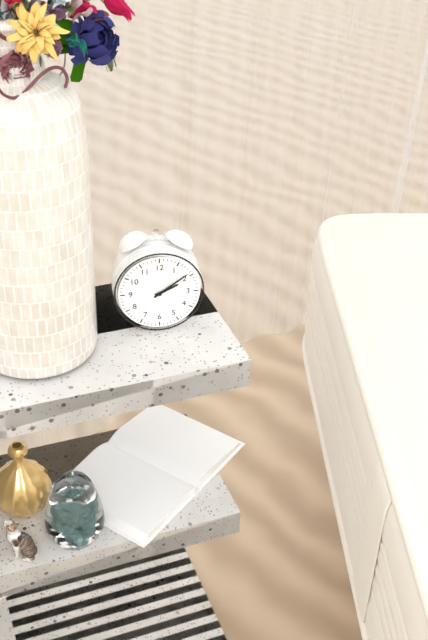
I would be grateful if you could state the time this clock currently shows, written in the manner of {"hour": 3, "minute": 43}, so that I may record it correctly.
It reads {"hour": 2, "minute": 9}
